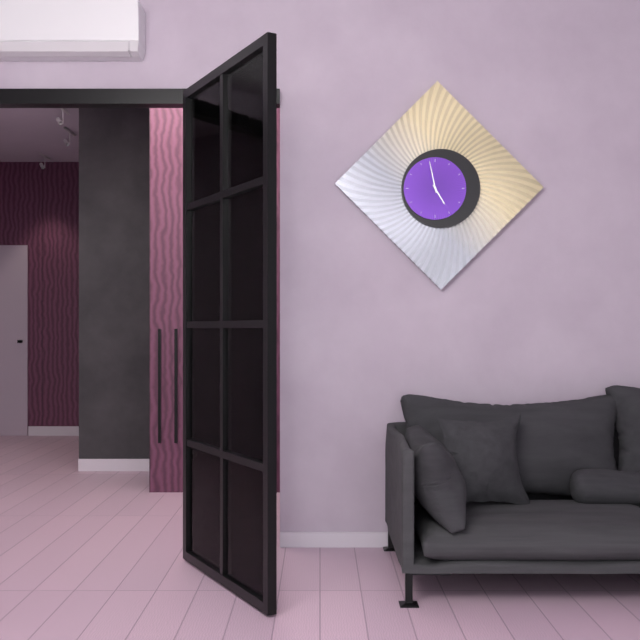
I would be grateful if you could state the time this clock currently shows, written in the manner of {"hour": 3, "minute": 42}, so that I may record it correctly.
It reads {"hour": 4, "minute": 58}
